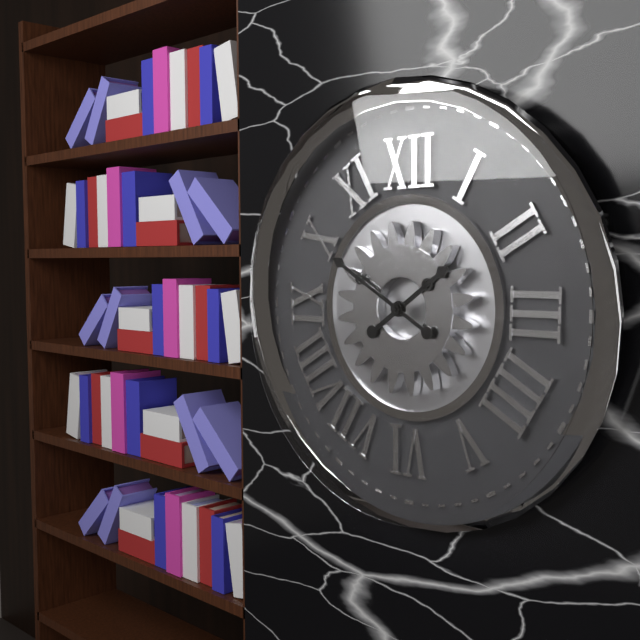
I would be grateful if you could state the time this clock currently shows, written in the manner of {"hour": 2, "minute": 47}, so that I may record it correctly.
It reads {"hour": 1, "minute": 50}
